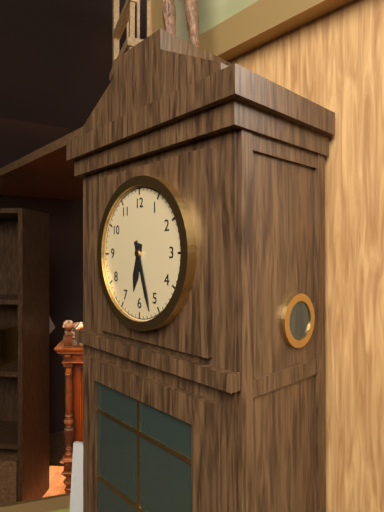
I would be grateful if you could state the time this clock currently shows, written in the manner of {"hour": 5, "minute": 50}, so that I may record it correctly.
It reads {"hour": 6, "minute": 27}
